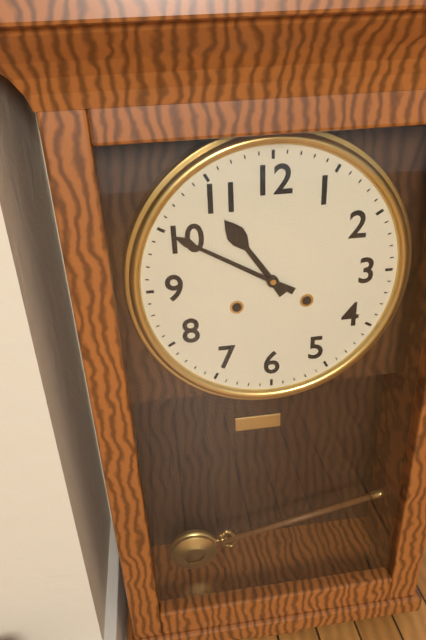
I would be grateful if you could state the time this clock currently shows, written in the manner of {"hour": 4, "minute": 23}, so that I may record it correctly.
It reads {"hour": 10, "minute": 50}
